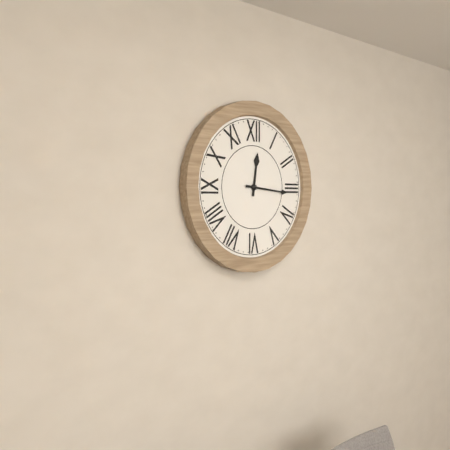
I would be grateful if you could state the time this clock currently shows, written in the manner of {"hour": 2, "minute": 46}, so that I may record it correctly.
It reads {"hour": 12, "minute": 16}
